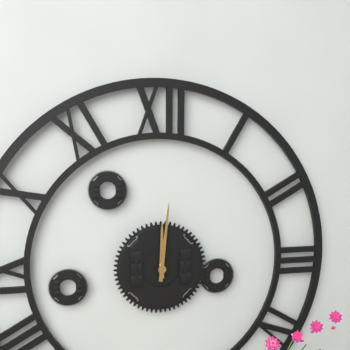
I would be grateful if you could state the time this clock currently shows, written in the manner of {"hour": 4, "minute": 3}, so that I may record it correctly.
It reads {"hour": 12, "minute": 1}
